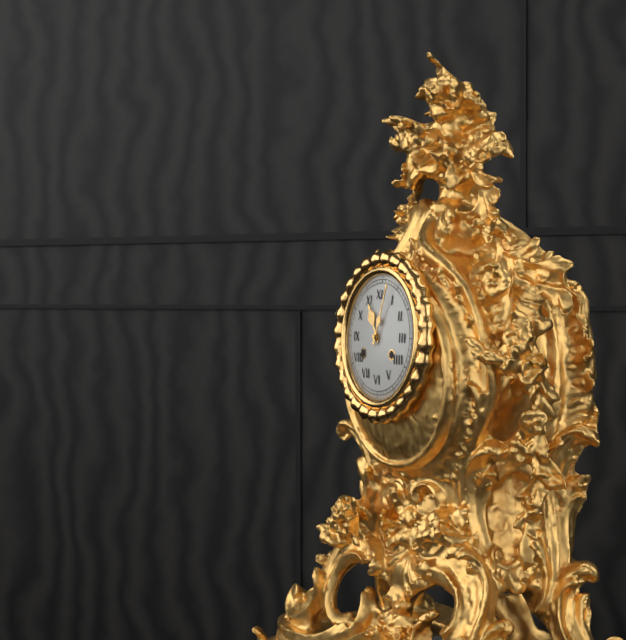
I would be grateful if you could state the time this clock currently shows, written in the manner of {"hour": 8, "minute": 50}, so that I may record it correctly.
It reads {"hour": 11, "minute": 3}
